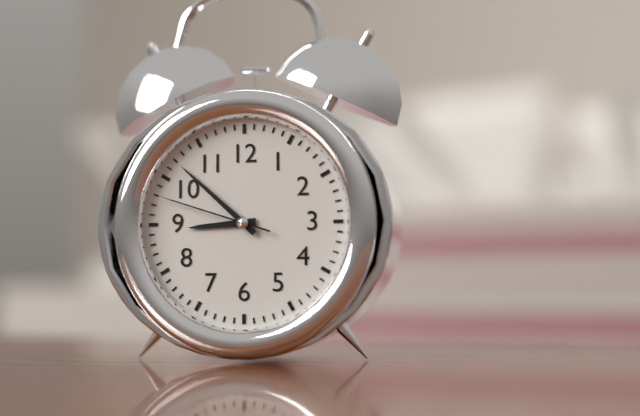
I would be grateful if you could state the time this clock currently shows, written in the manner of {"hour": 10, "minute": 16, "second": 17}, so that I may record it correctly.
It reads {"hour": 8, "minute": 52, "second": 48}
